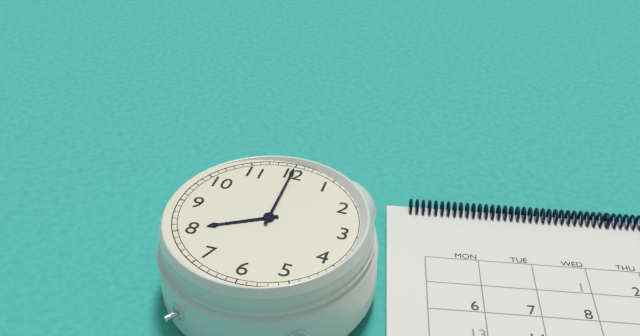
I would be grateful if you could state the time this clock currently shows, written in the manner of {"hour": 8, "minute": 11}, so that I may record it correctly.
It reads {"hour": 8, "minute": 0}
